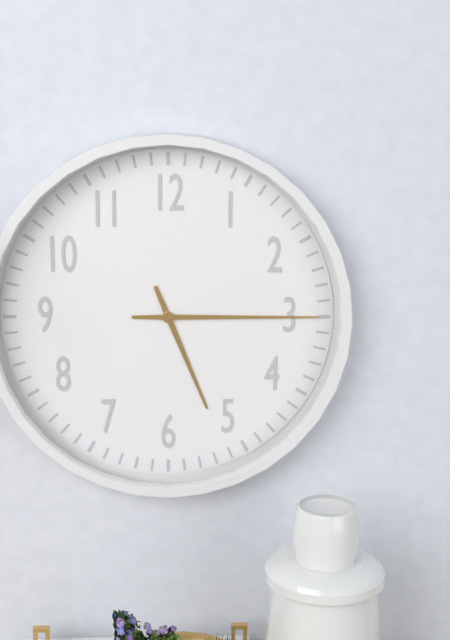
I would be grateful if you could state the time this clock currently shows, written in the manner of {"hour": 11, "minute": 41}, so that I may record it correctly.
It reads {"hour": 5, "minute": 15}
